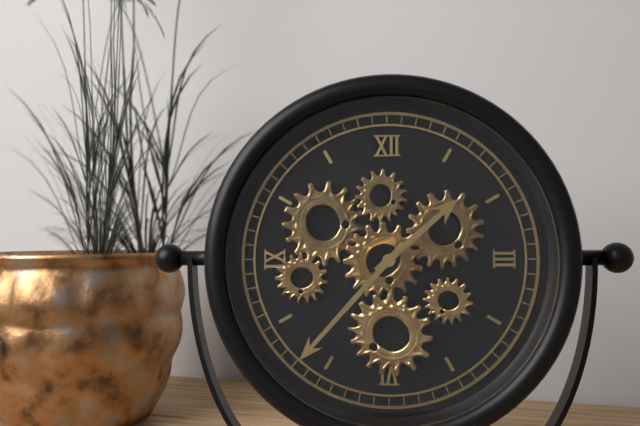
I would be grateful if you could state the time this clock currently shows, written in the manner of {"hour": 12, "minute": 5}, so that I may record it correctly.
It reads {"hour": 1, "minute": 37}
